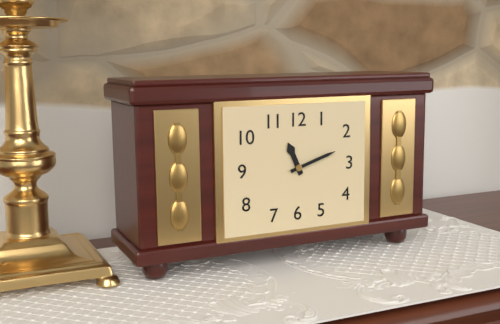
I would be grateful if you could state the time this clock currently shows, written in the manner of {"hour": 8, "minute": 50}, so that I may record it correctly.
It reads {"hour": 11, "minute": 12}
